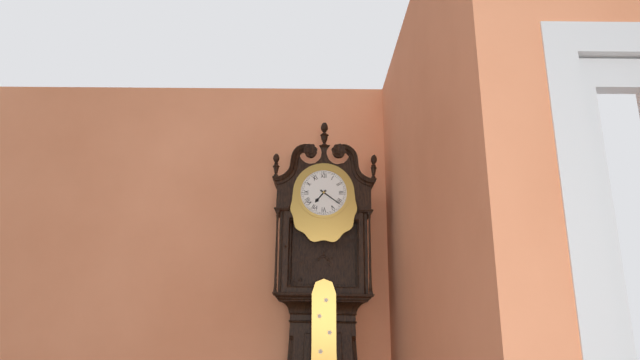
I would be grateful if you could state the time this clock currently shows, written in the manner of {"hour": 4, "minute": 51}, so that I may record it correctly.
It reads {"hour": 7, "minute": 21}
